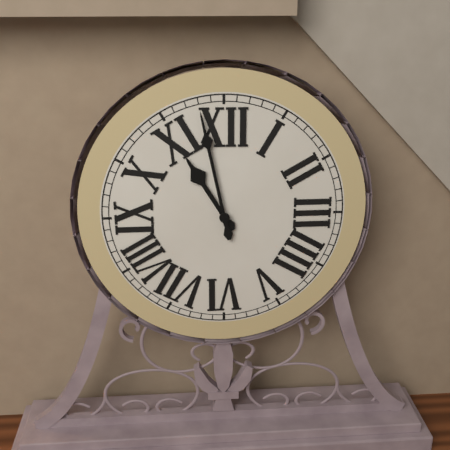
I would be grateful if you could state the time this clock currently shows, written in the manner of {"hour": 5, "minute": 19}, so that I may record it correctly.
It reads {"hour": 10, "minute": 58}
